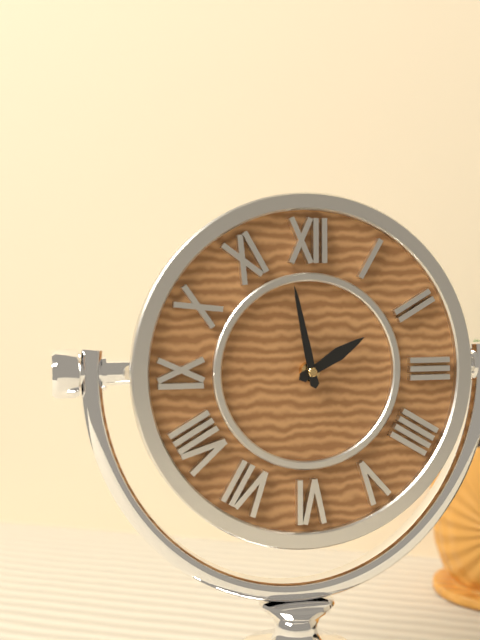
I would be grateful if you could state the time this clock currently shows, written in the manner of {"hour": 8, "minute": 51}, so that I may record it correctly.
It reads {"hour": 1, "minute": 58}
